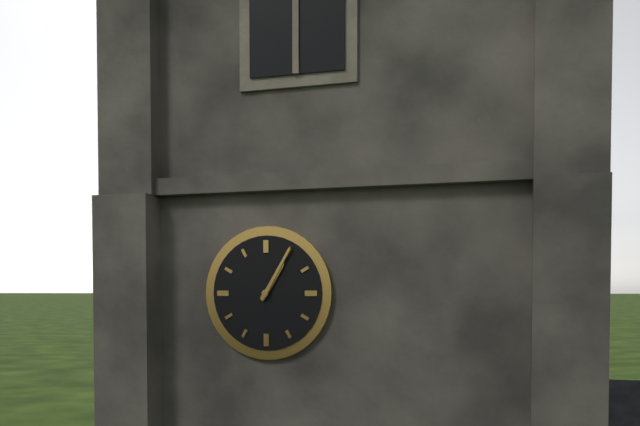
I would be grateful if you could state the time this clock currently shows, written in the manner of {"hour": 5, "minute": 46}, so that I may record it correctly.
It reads {"hour": 1, "minute": 5}
